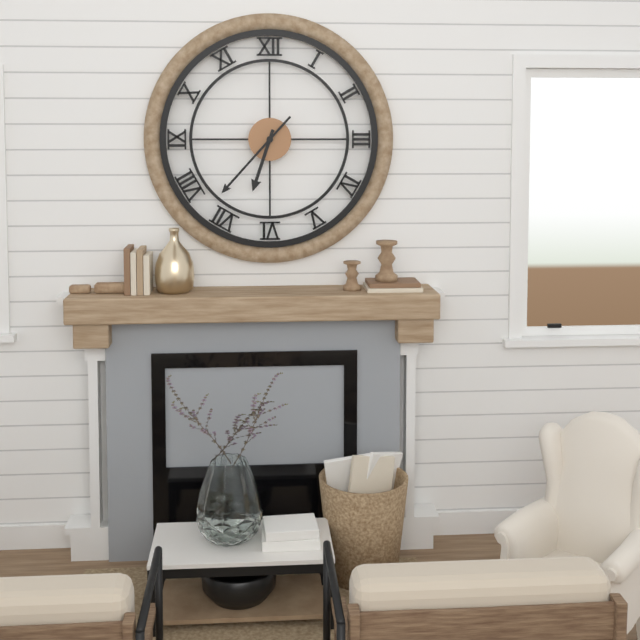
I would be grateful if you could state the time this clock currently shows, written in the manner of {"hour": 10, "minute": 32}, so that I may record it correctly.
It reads {"hour": 6, "minute": 37}
